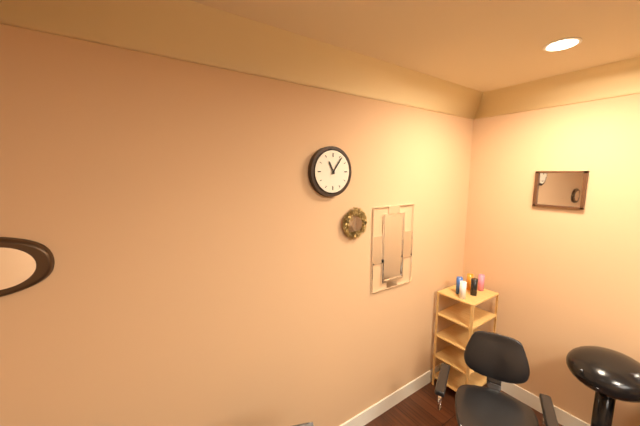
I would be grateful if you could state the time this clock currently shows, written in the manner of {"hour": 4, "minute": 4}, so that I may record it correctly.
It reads {"hour": 11, "minute": 6}
